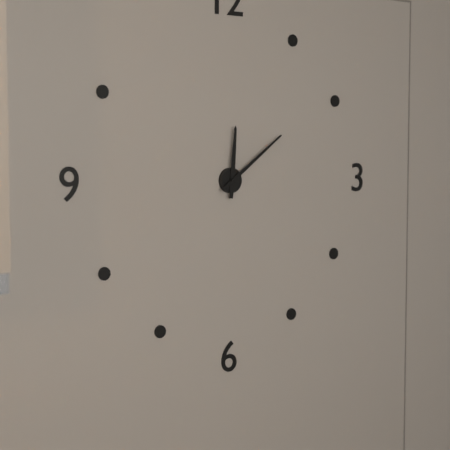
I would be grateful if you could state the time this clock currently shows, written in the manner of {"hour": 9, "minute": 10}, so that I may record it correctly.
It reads {"hour": 12, "minute": 9}
